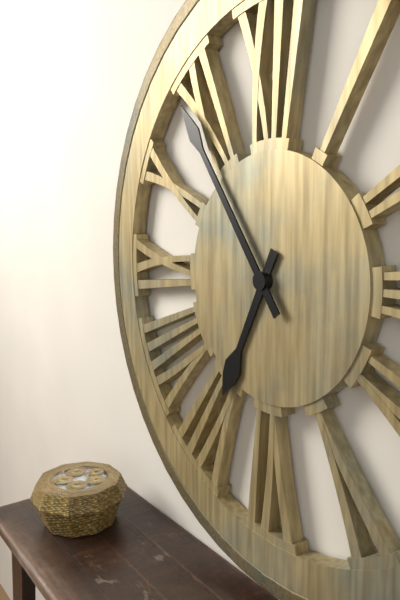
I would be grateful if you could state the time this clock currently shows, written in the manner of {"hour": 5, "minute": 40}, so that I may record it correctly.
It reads {"hour": 6, "minute": 54}
